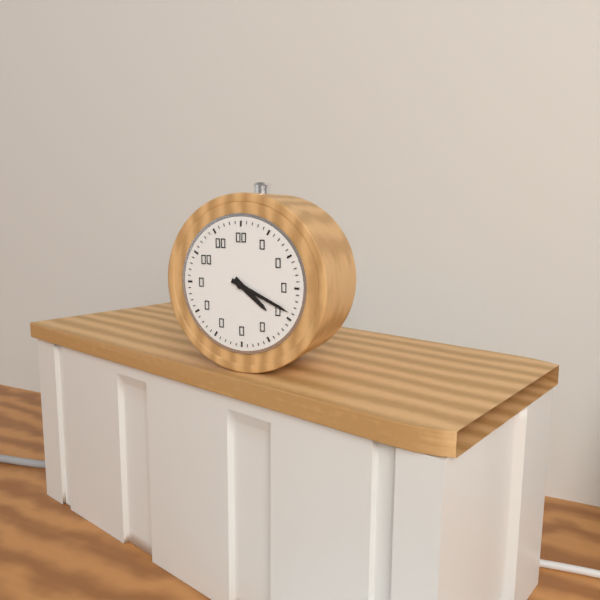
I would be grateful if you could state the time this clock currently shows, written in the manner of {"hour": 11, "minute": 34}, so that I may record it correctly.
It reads {"hour": 4, "minute": 19}
